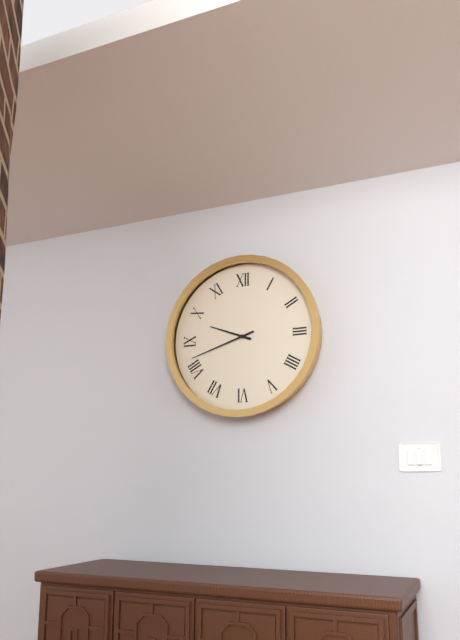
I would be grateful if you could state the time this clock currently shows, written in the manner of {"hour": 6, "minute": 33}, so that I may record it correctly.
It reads {"hour": 9, "minute": 42}
